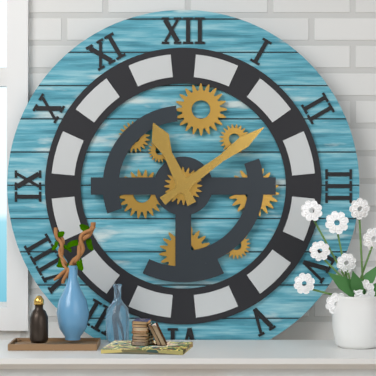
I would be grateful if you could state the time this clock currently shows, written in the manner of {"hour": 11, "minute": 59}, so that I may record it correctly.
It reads {"hour": 11, "minute": 9}
